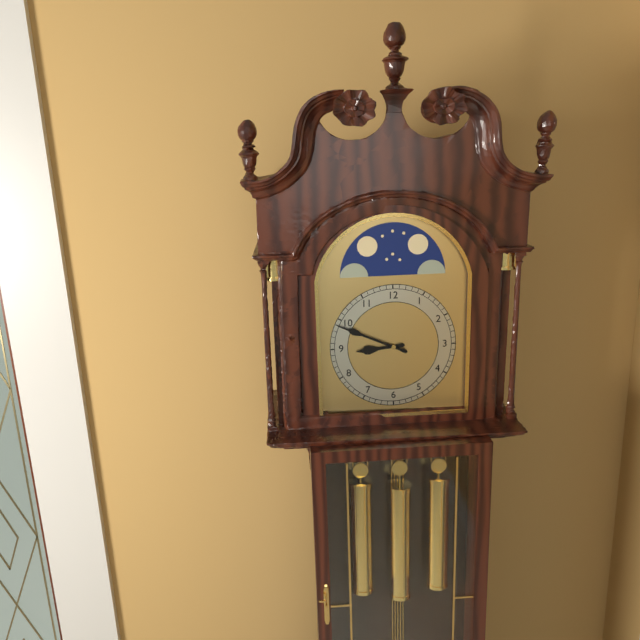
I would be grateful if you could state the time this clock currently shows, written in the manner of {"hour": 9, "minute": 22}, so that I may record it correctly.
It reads {"hour": 8, "minute": 49}
